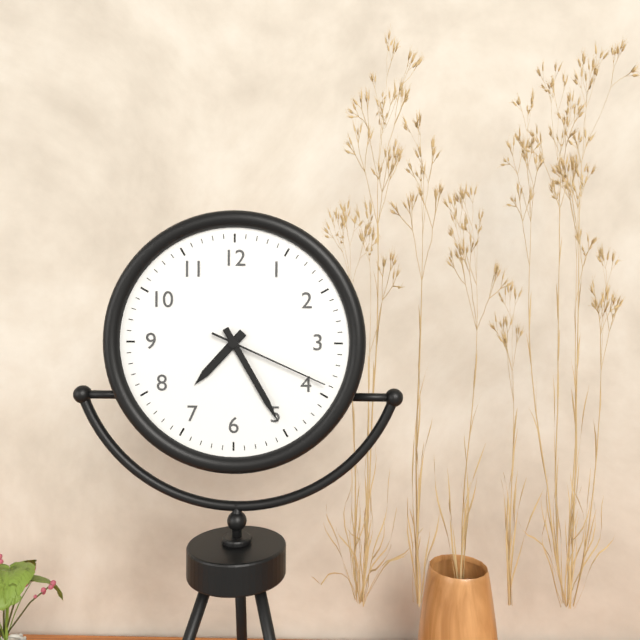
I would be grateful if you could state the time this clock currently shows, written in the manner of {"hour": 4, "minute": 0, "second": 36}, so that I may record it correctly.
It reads {"hour": 7, "minute": 25, "second": 19}
